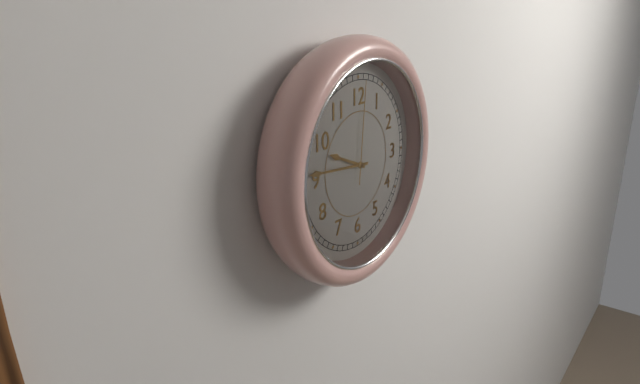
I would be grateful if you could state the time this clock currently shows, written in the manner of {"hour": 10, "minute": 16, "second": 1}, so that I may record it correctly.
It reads {"hour": 9, "minute": 46, "second": 1}
